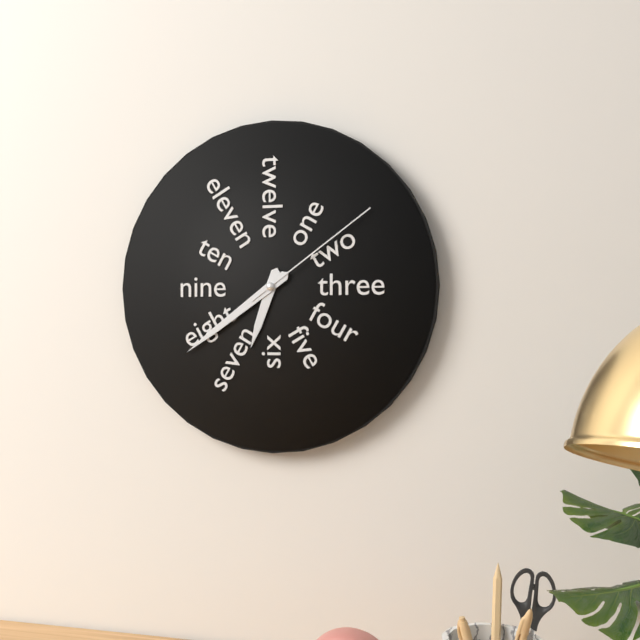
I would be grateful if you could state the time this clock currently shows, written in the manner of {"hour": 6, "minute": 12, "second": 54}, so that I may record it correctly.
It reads {"hour": 6, "minute": 39, "second": 9}
